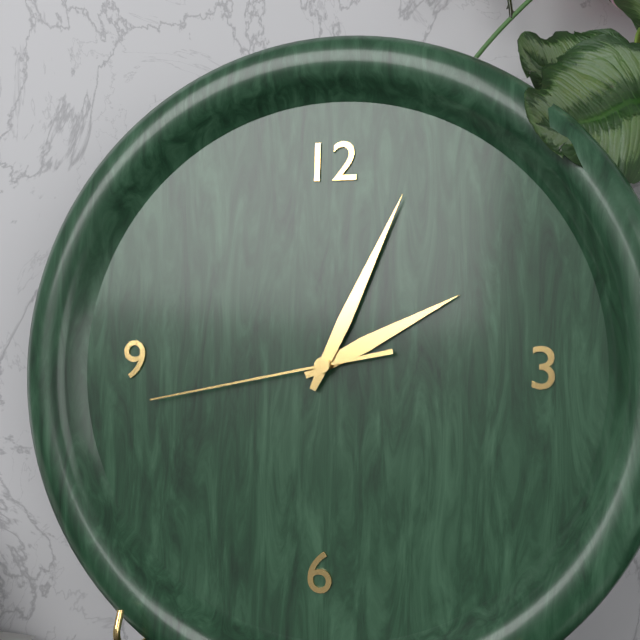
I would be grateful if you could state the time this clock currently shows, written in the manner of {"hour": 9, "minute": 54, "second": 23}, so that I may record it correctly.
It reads {"hour": 2, "minute": 4, "second": 43}
